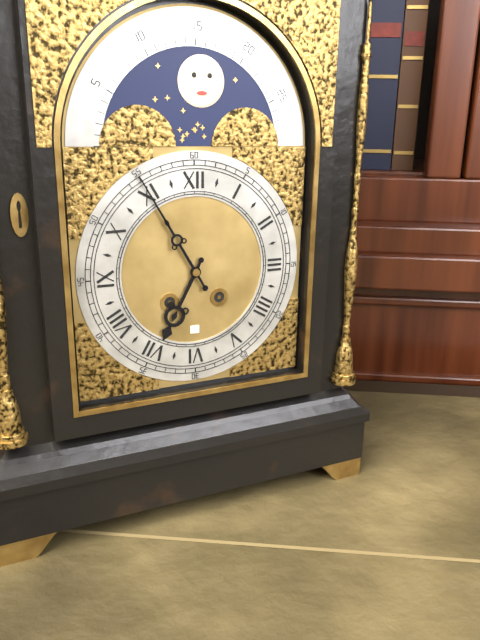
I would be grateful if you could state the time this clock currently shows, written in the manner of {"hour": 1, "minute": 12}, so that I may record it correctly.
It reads {"hour": 6, "minute": 55}
